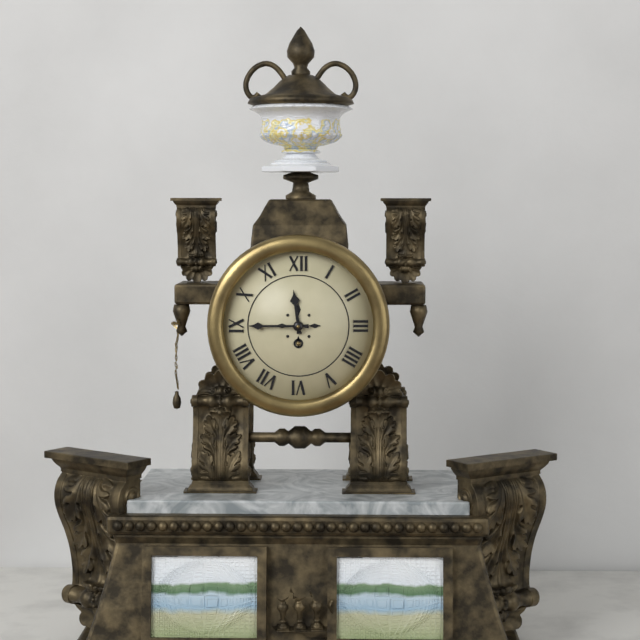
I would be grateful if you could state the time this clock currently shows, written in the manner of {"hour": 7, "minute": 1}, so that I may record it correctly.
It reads {"hour": 11, "minute": 45}
